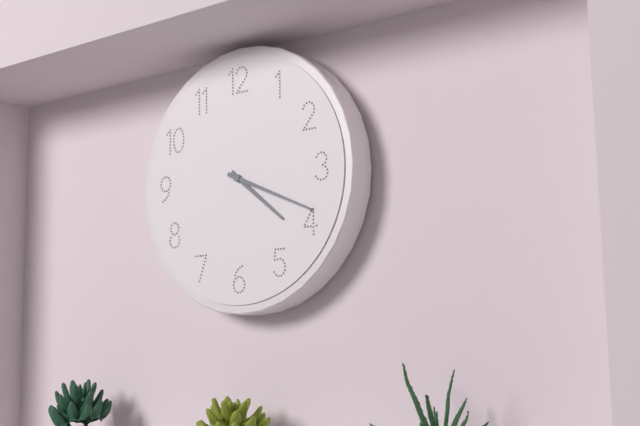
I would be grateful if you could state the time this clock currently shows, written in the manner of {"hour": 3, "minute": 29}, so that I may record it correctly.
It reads {"hour": 4, "minute": 19}
